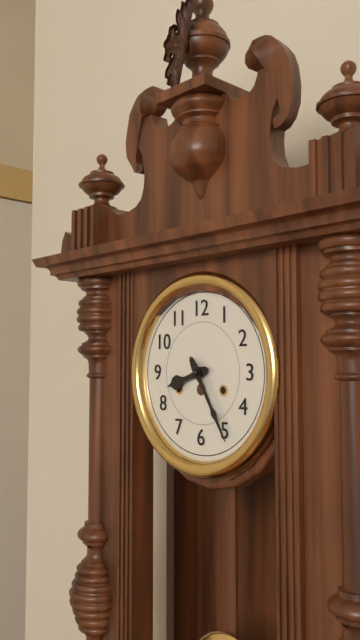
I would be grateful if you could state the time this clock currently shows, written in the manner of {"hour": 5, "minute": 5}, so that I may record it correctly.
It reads {"hour": 8, "minute": 25}
